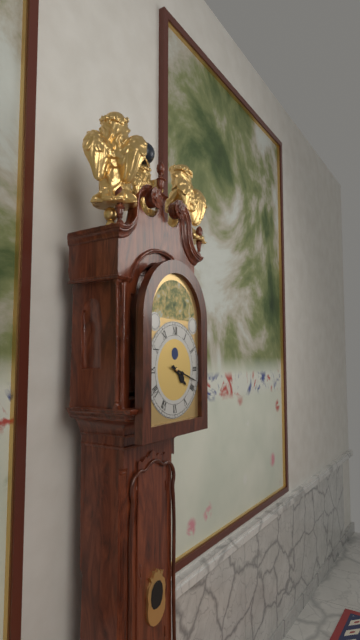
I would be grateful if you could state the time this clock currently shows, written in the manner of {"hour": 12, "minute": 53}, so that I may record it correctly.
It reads {"hour": 4, "minute": 18}
